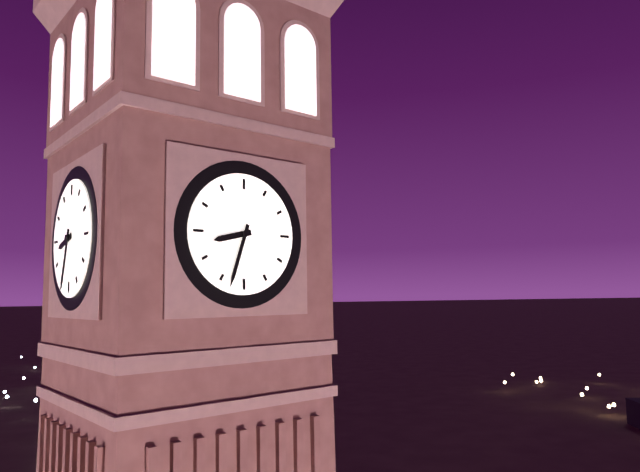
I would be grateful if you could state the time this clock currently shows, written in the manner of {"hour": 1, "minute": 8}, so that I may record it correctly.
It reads {"hour": 8, "minute": 33}
